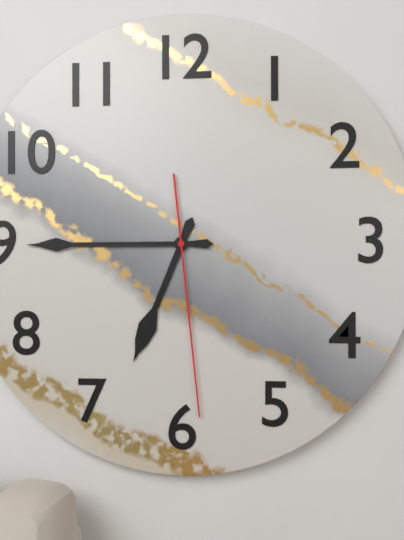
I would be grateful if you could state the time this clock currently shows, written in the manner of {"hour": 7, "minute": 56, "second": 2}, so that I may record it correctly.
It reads {"hour": 6, "minute": 45, "second": 29}
